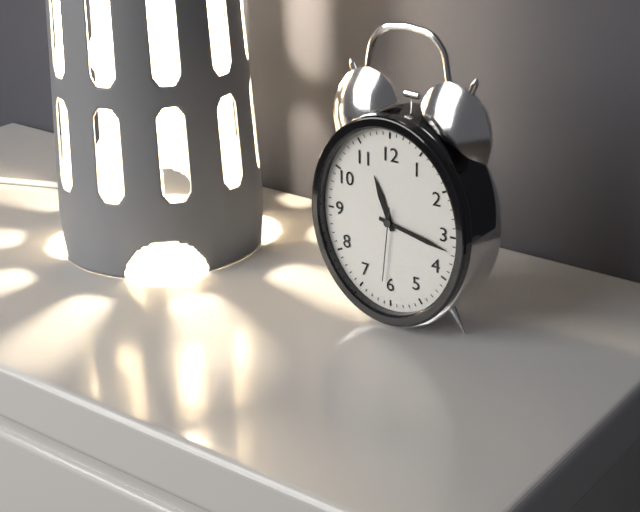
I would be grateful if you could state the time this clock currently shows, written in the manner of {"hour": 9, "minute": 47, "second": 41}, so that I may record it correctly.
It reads {"hour": 11, "minute": 17, "second": 31}
